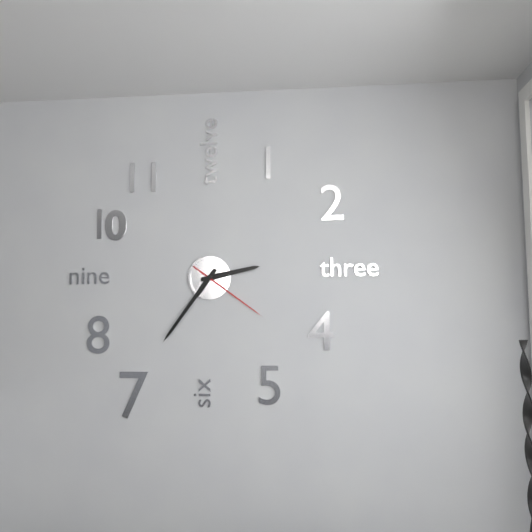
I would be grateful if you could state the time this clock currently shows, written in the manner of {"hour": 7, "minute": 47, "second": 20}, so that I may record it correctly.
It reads {"hour": 2, "minute": 36, "second": 21}
